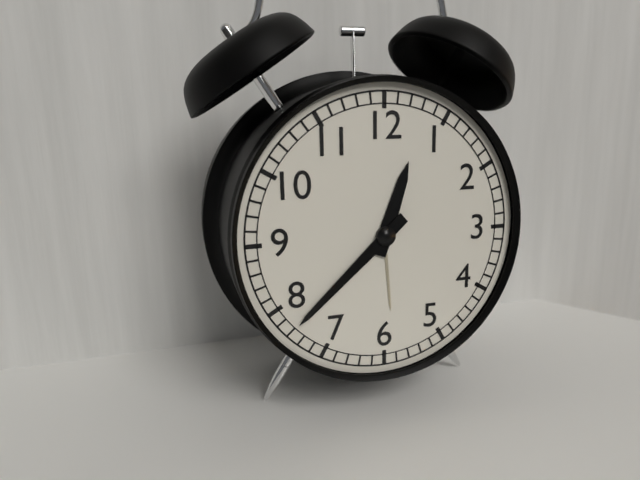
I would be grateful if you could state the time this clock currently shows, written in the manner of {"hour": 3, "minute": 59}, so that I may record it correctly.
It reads {"hour": 12, "minute": 38}
